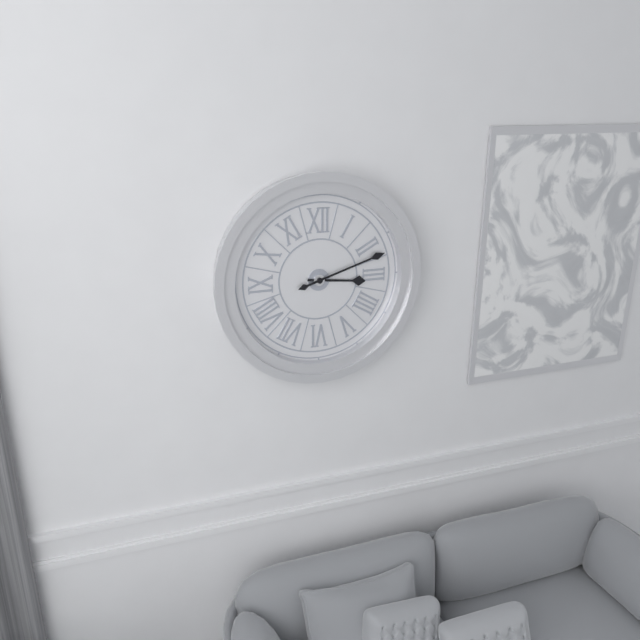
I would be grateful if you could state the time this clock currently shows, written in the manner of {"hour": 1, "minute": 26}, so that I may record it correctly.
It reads {"hour": 3, "minute": 12}
